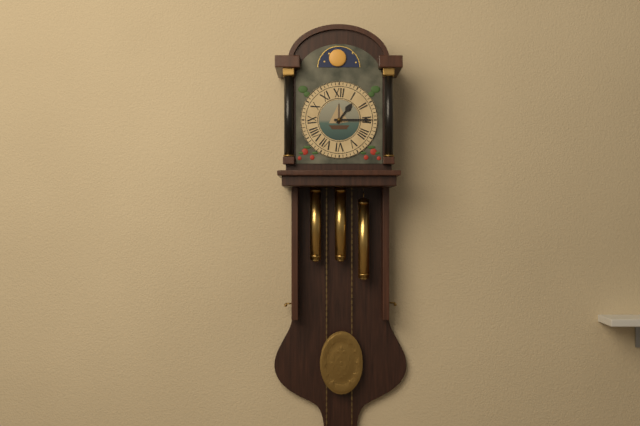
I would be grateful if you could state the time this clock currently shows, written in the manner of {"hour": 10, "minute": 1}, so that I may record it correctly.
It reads {"hour": 1, "minute": 15}
